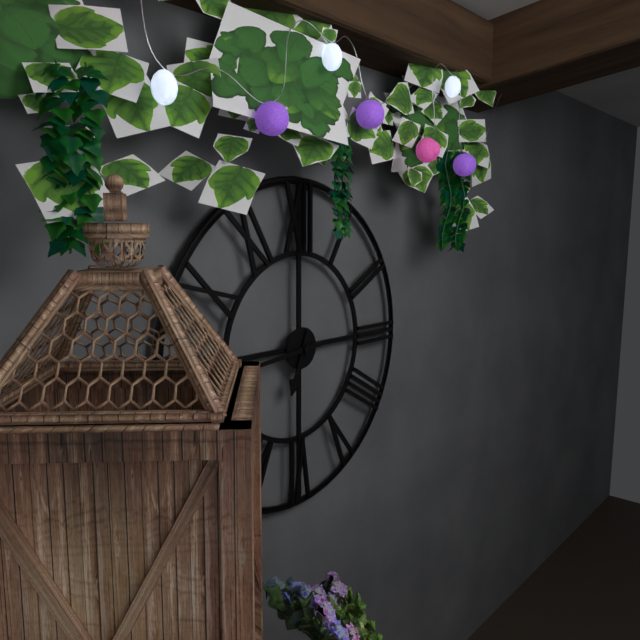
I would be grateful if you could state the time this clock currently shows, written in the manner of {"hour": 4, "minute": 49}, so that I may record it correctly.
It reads {"hour": 6, "minute": 44}
